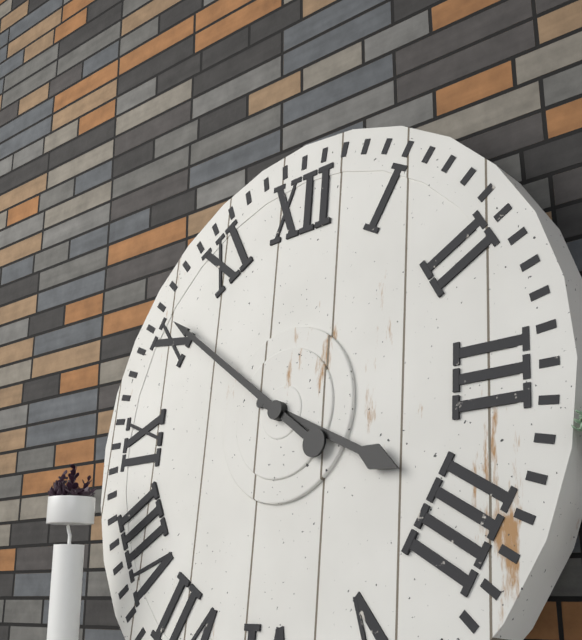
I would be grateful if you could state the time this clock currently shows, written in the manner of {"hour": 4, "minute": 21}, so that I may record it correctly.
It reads {"hour": 3, "minute": 51}
